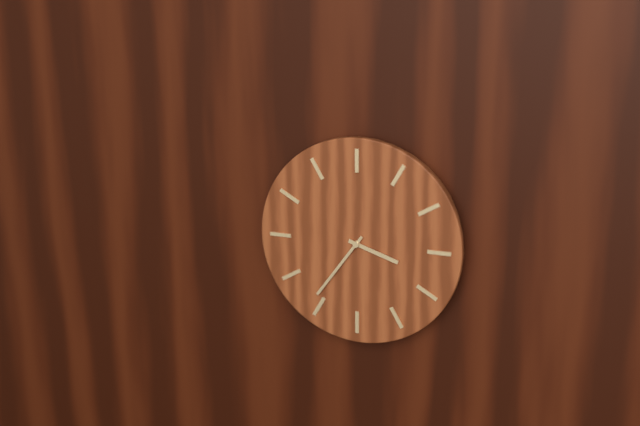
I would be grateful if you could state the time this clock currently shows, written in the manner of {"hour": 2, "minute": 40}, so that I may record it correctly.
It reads {"hour": 3, "minute": 36}
